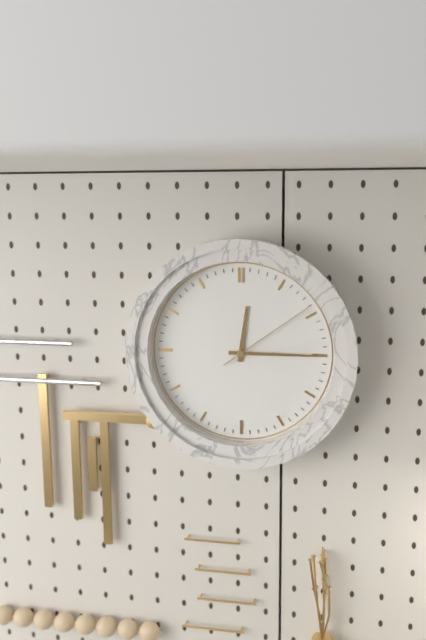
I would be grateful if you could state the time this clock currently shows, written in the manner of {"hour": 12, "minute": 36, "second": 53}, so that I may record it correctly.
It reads {"hour": 12, "minute": 15, "second": 9}
